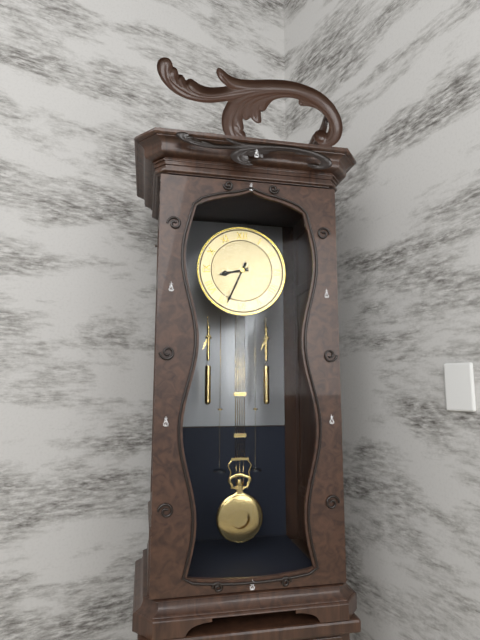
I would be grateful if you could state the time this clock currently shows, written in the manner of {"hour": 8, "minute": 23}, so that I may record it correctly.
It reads {"hour": 8, "minute": 34}
